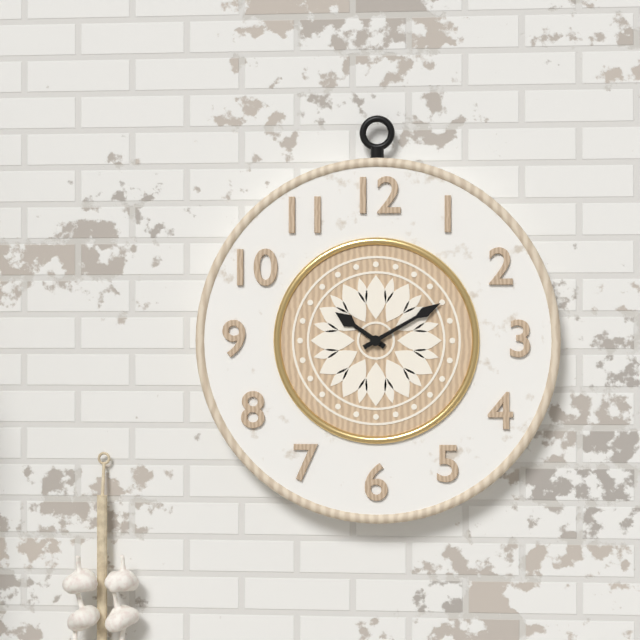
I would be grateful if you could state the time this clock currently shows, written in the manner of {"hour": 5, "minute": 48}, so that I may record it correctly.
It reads {"hour": 10, "minute": 10}
